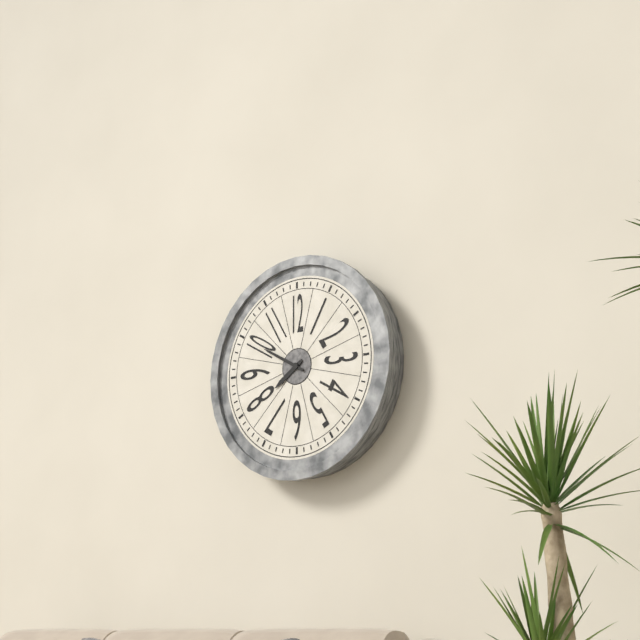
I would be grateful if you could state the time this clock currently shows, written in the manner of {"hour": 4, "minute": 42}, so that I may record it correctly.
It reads {"hour": 7, "minute": 50}
